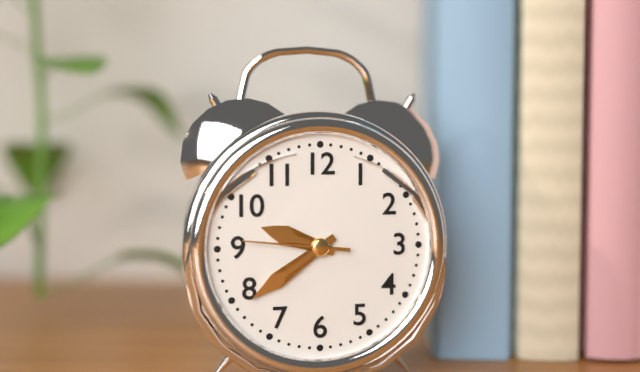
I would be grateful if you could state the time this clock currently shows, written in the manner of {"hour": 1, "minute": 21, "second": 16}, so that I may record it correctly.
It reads {"hour": 9, "minute": 39, "second": 46}
